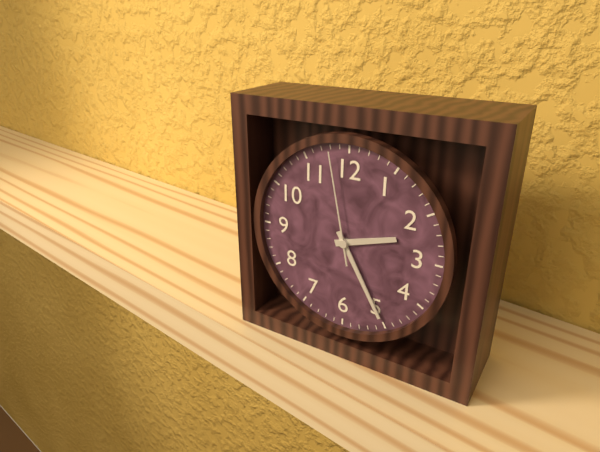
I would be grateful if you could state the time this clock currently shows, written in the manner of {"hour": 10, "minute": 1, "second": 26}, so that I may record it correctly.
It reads {"hour": 2, "minute": 25, "second": 58}
